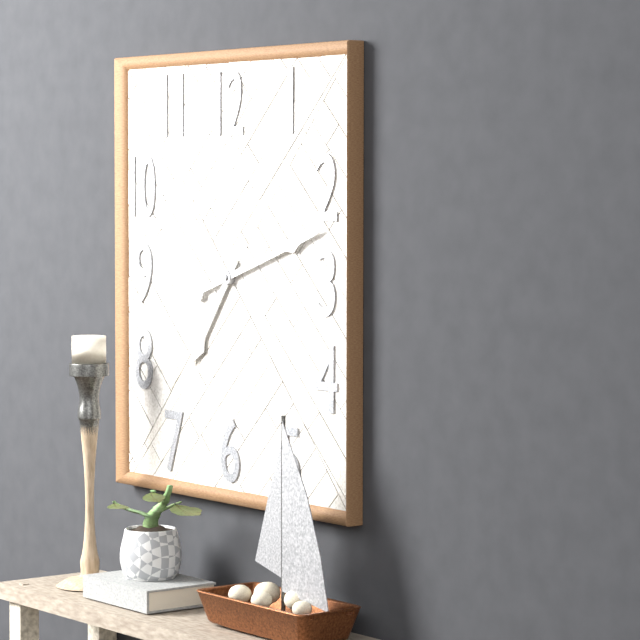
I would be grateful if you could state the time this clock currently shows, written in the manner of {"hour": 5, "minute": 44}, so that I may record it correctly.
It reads {"hour": 7, "minute": 12}
